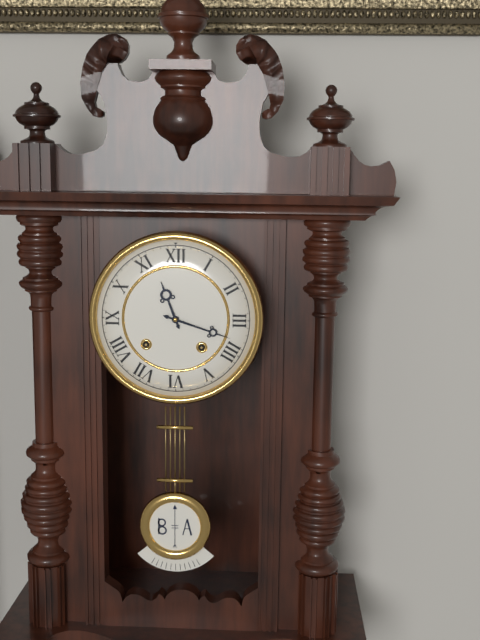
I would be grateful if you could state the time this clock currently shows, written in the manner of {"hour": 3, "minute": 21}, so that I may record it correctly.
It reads {"hour": 11, "minute": 18}
